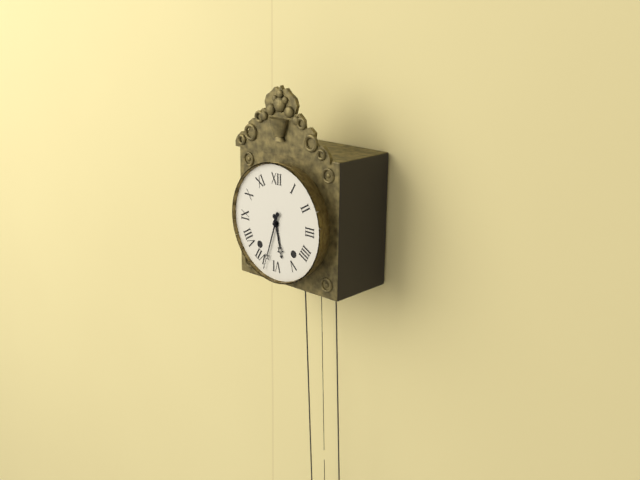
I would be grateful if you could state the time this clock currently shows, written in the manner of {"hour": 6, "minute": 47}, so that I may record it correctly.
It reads {"hour": 5, "minute": 33}
